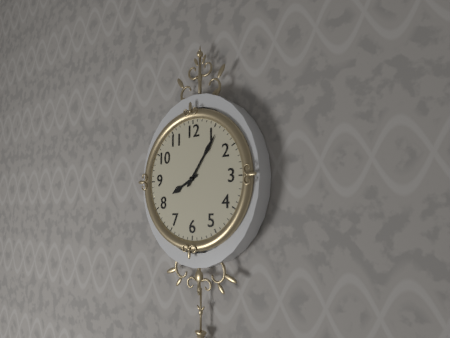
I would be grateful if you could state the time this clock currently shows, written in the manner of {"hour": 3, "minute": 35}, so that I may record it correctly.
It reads {"hour": 8, "minute": 6}
